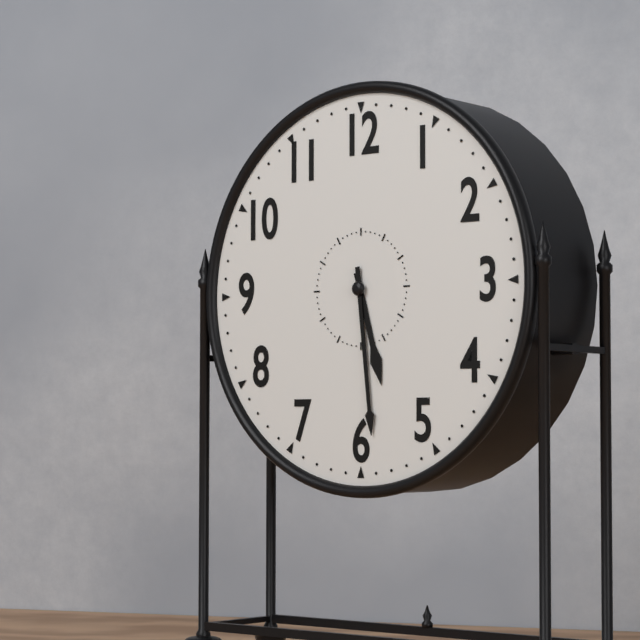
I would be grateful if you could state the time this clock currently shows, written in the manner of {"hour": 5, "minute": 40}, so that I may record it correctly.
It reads {"hour": 5, "minute": 29}
